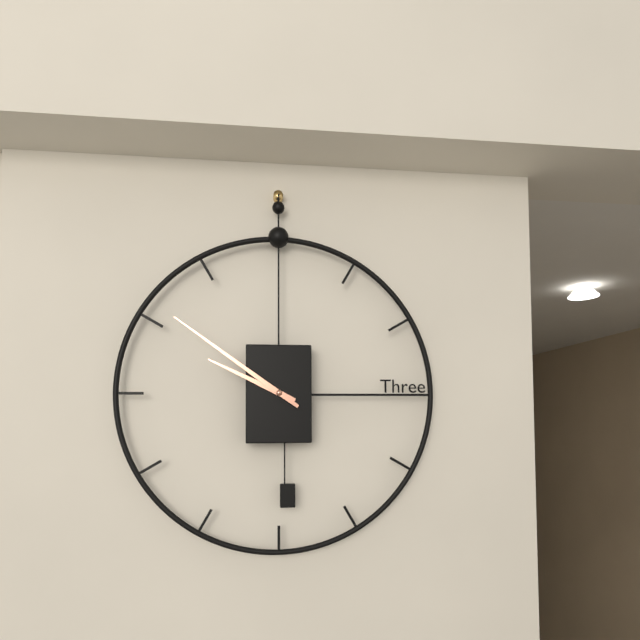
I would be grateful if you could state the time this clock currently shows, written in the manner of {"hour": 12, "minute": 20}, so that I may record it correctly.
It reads {"hour": 9, "minute": 51}
